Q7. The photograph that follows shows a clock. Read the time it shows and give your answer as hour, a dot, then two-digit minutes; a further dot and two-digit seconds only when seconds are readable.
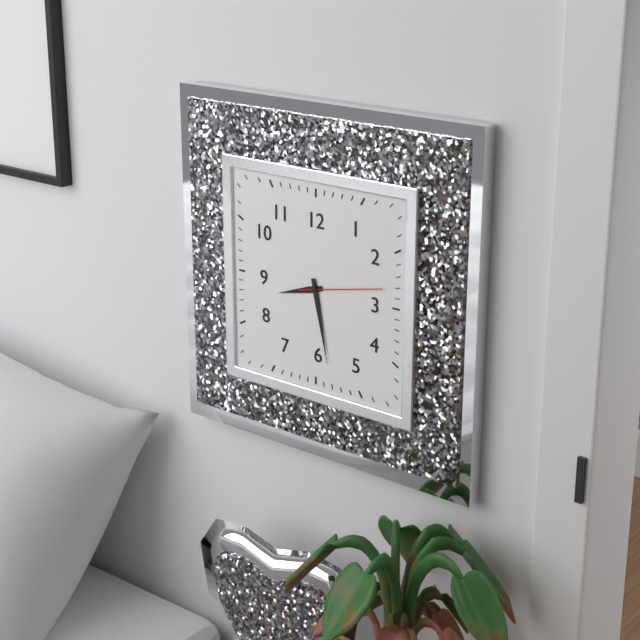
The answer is 8.28.13
